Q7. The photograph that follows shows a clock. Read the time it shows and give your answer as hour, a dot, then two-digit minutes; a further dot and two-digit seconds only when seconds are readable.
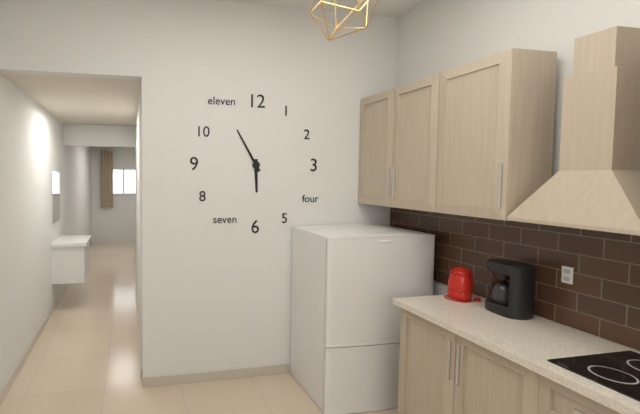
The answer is 5.55
